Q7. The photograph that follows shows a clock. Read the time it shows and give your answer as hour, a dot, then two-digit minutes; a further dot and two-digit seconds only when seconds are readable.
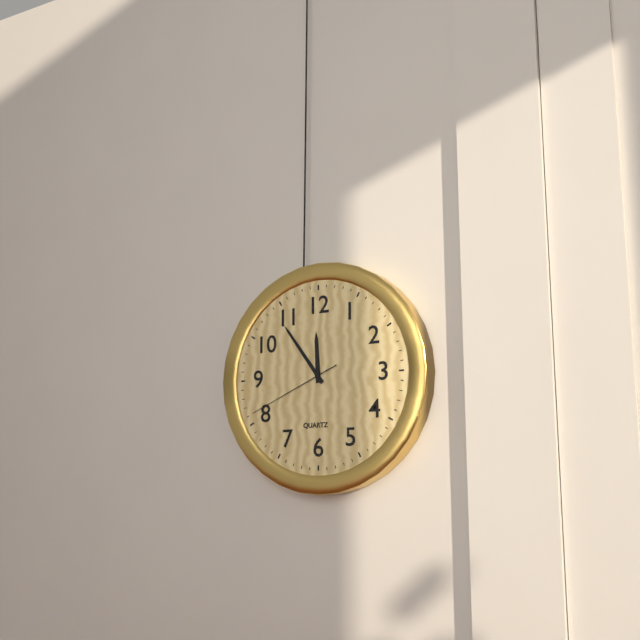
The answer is 11.54.41
